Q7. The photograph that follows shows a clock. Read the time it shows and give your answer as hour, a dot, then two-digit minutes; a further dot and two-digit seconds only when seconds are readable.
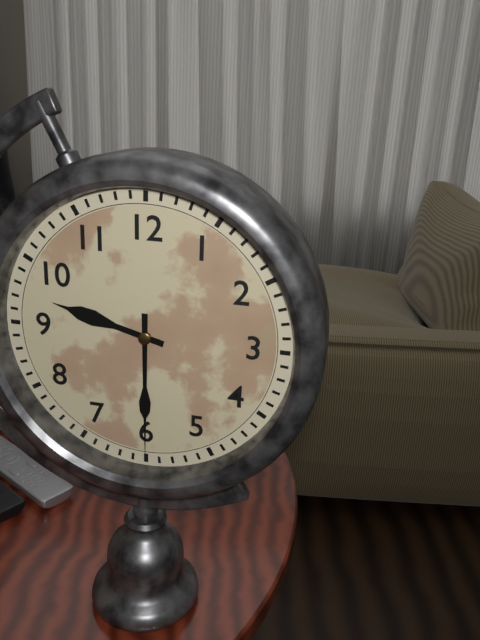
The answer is 9.30
